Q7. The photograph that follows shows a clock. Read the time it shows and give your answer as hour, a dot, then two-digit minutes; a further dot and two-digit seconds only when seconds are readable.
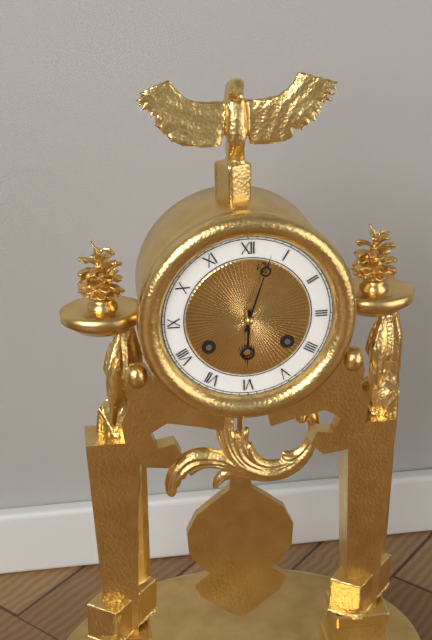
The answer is 6.03
